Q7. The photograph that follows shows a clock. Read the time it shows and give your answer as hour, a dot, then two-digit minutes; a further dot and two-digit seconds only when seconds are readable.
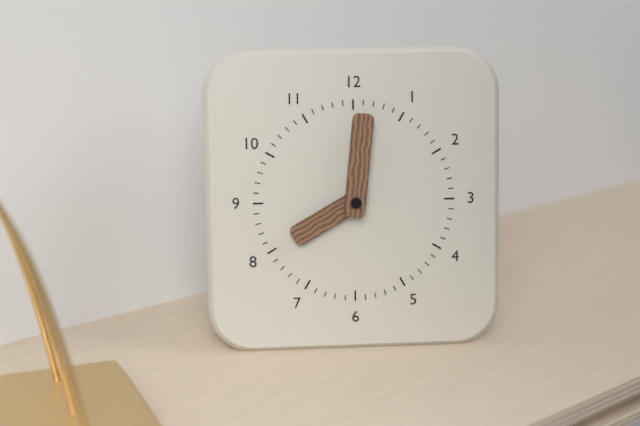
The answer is 8.01
